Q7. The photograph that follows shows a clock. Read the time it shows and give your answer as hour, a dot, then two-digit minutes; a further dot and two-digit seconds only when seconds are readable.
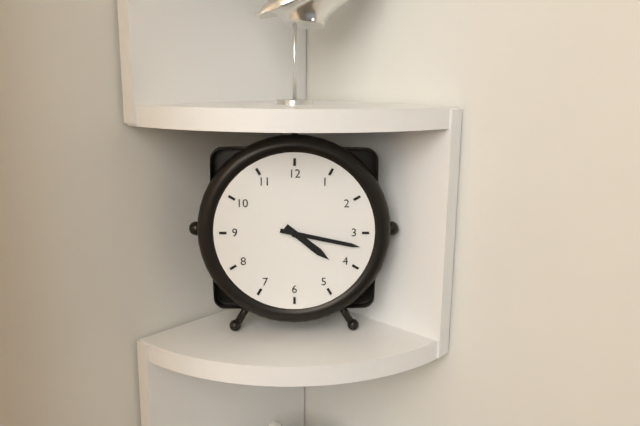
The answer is 4.17
